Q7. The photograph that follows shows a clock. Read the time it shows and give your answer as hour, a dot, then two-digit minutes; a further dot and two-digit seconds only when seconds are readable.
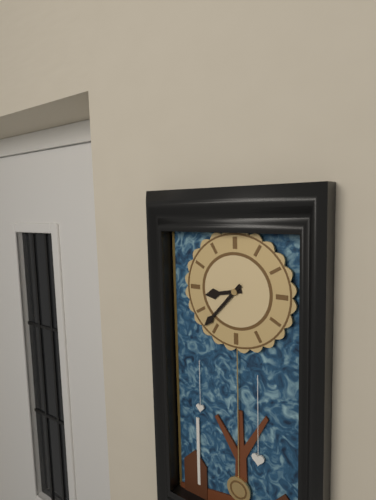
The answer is 8.37
